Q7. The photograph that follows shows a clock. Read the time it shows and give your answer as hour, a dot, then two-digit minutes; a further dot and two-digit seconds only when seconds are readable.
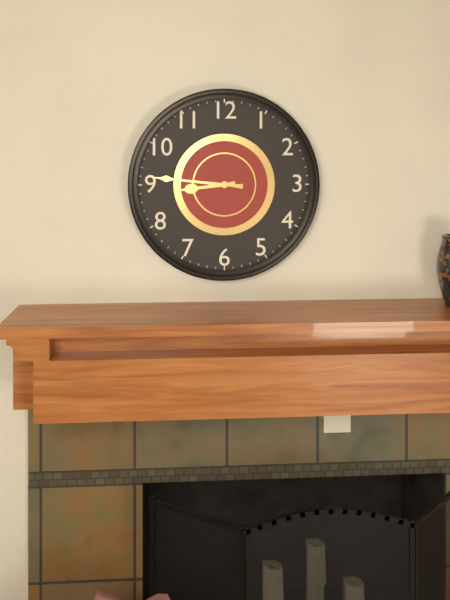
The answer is 8.46
